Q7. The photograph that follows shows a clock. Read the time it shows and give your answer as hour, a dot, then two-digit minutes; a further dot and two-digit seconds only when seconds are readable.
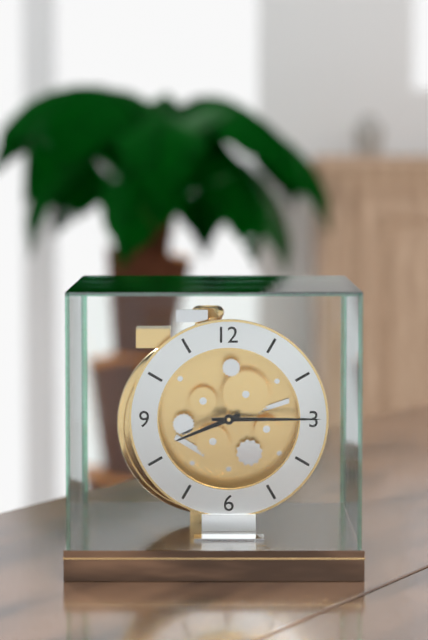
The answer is 8.15
